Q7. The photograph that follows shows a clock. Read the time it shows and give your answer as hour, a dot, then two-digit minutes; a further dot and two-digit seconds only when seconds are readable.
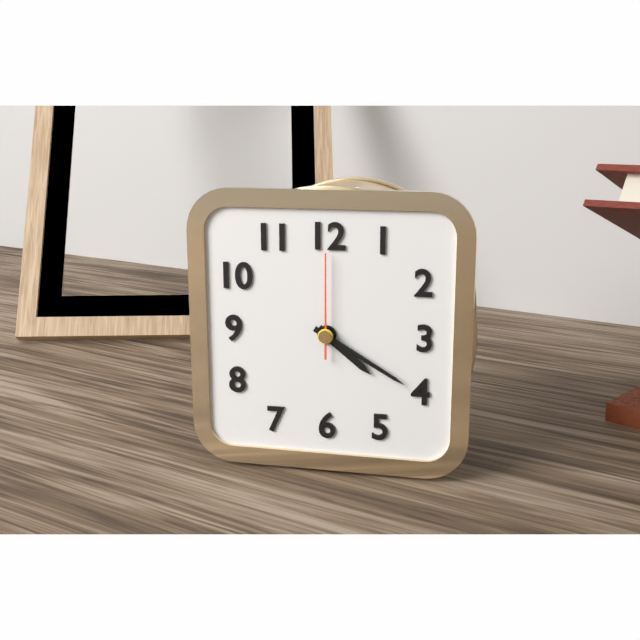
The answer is 4.20.00
